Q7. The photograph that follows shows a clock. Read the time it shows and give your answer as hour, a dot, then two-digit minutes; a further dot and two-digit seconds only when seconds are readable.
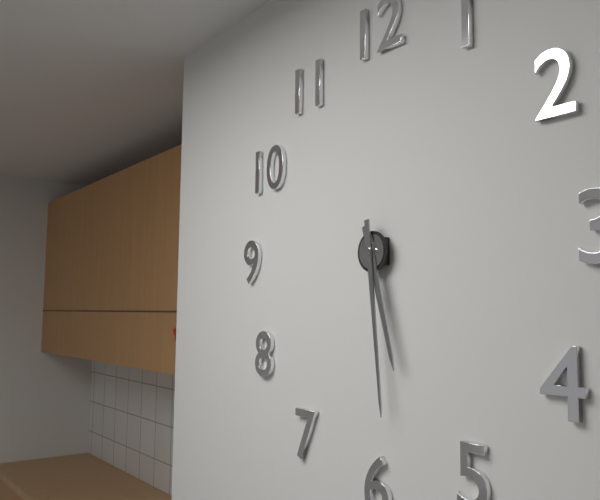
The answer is 5.29
